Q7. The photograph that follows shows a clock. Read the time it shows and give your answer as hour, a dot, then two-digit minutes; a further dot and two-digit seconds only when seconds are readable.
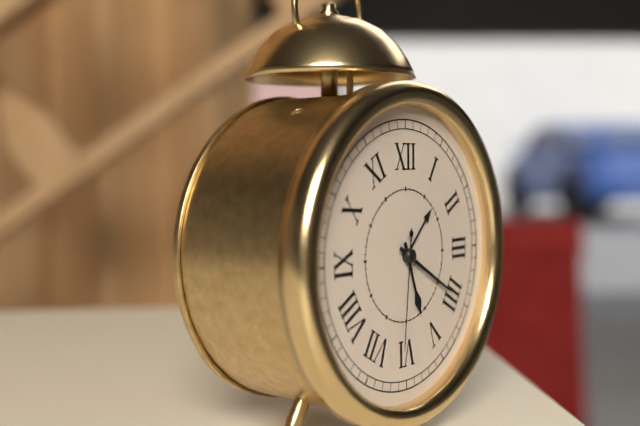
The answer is 5.20.31
